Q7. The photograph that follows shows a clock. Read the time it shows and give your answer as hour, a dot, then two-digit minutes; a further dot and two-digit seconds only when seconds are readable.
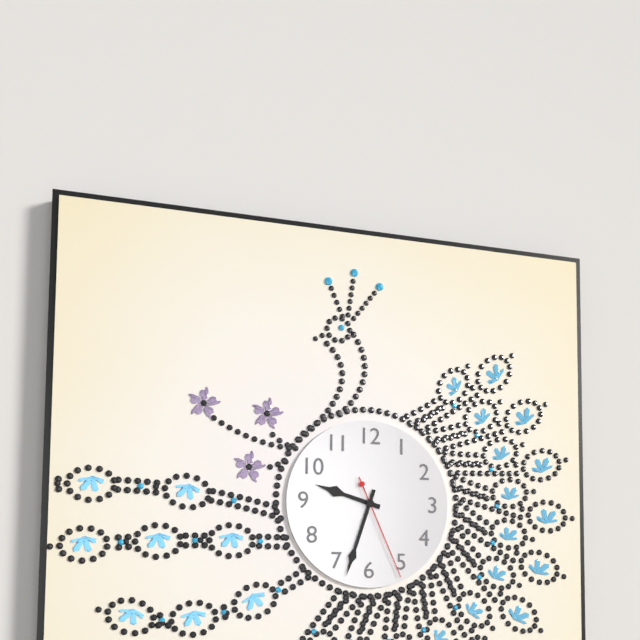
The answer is 9.33.26
